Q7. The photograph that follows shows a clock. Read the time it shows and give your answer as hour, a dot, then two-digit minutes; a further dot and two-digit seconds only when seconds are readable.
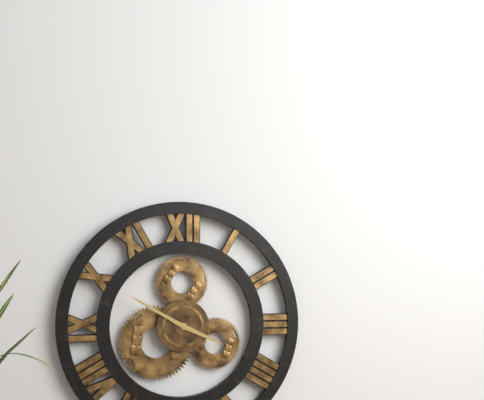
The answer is 3.50
